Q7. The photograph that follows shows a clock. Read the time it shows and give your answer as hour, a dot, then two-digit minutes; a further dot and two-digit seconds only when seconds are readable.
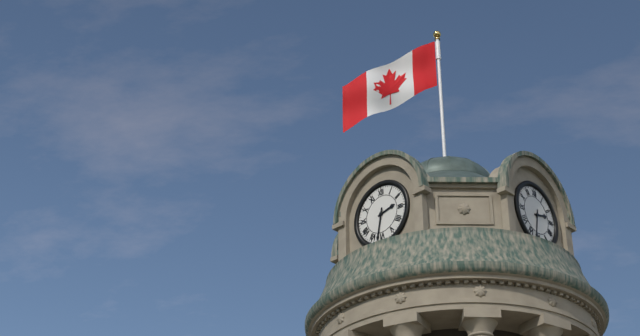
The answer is 2.32
